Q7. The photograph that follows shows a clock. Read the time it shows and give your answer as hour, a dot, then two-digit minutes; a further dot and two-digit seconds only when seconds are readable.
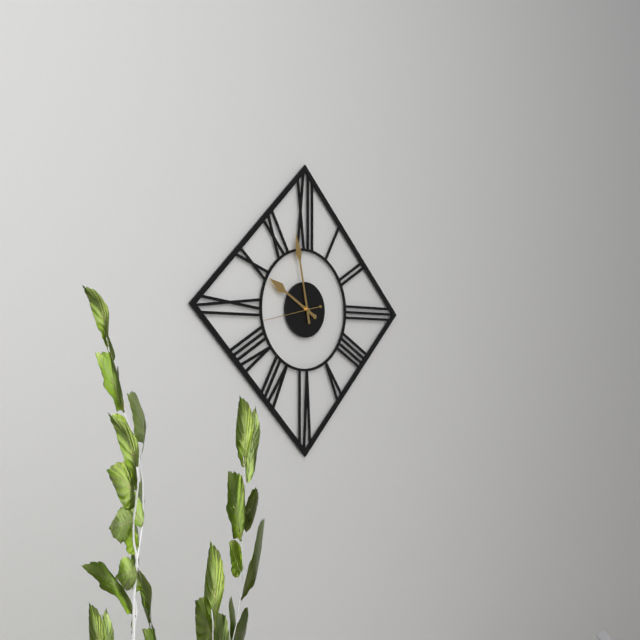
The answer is 9.58
